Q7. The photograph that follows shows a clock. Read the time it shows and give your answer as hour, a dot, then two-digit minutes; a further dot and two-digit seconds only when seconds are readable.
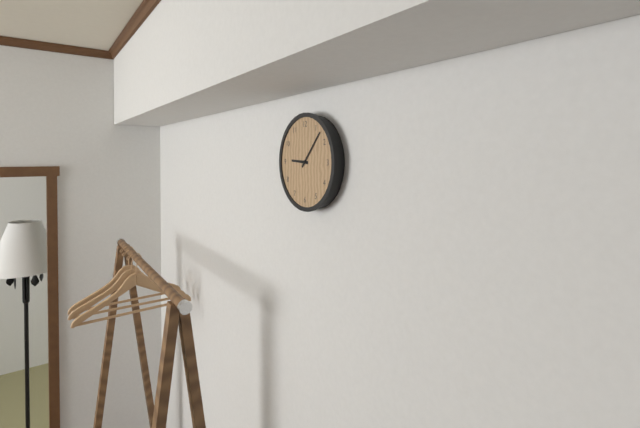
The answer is 9.07
